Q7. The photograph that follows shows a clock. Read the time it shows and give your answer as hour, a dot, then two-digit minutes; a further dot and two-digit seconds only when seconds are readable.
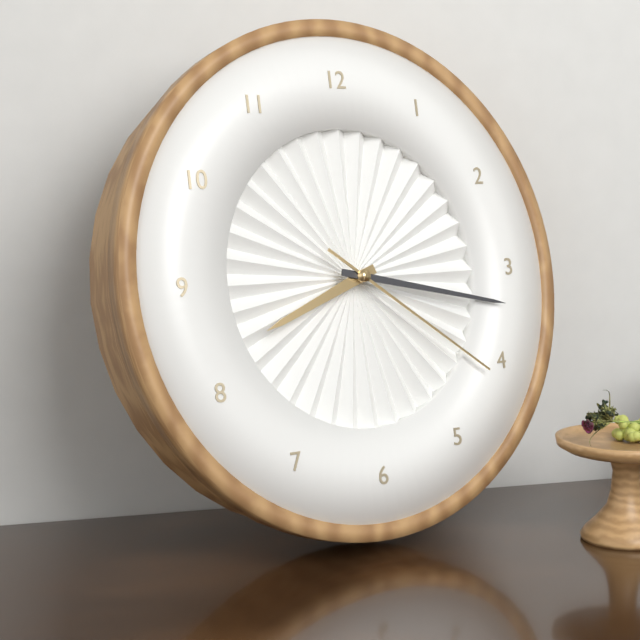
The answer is 8.17.21
